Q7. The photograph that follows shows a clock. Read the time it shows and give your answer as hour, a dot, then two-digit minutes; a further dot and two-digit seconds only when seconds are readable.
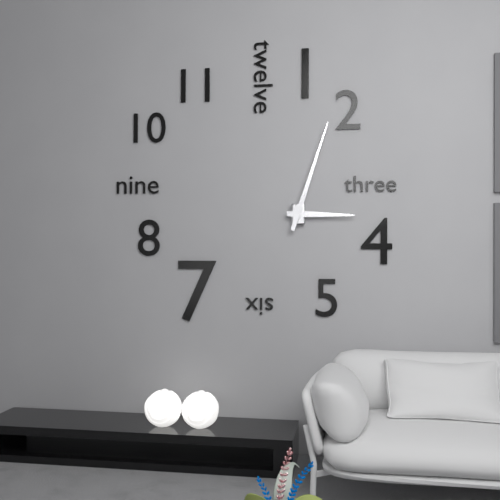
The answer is 3.03
